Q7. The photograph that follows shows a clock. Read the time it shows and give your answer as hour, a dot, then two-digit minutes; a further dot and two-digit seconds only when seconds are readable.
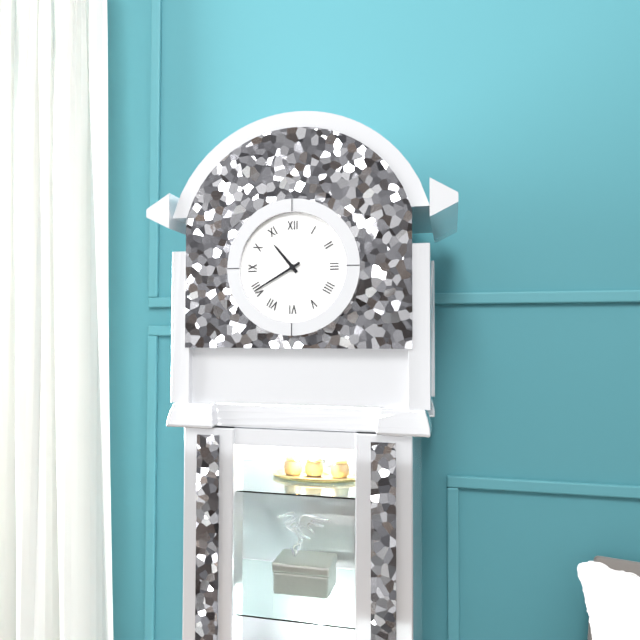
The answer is 10.40
